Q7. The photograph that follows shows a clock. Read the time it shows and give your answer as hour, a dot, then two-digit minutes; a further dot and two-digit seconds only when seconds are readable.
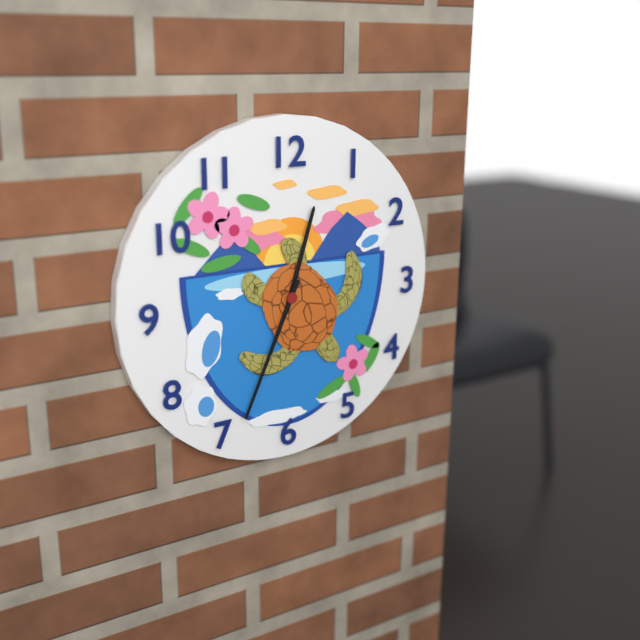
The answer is 12.34
